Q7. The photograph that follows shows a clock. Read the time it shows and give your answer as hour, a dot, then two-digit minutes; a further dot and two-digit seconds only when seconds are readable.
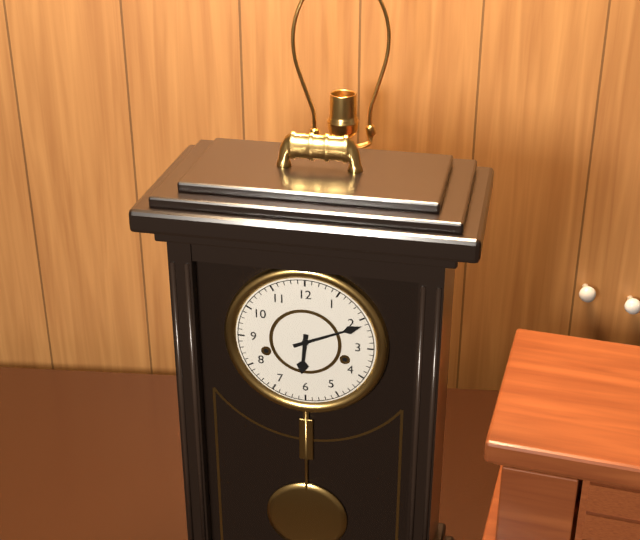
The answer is 6.11
